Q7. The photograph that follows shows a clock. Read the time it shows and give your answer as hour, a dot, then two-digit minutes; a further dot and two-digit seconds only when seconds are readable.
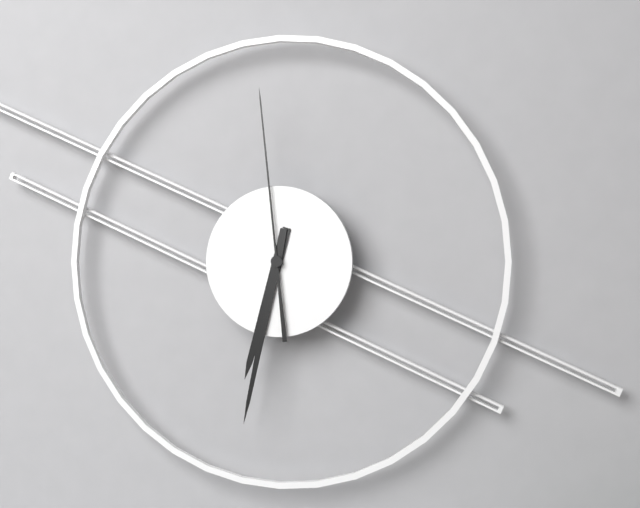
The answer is 6.32.59
